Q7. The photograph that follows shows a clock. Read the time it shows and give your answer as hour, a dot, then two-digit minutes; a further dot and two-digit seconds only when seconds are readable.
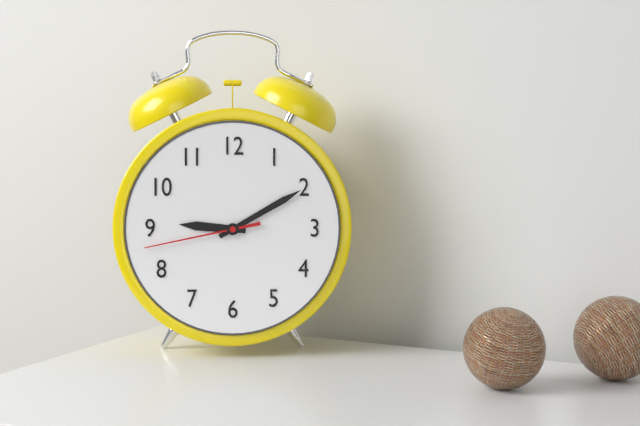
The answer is 9.10.43
